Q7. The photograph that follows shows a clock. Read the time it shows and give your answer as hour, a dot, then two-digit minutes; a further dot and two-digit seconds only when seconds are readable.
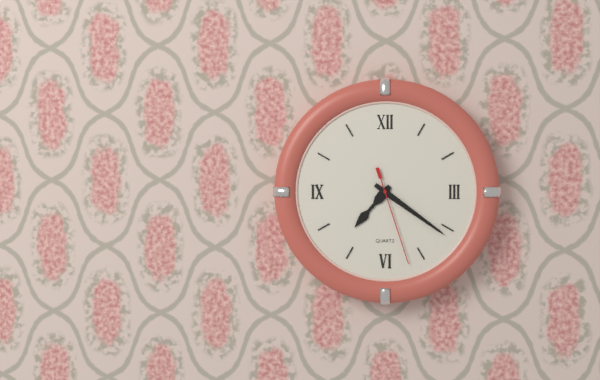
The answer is 7.21.27
